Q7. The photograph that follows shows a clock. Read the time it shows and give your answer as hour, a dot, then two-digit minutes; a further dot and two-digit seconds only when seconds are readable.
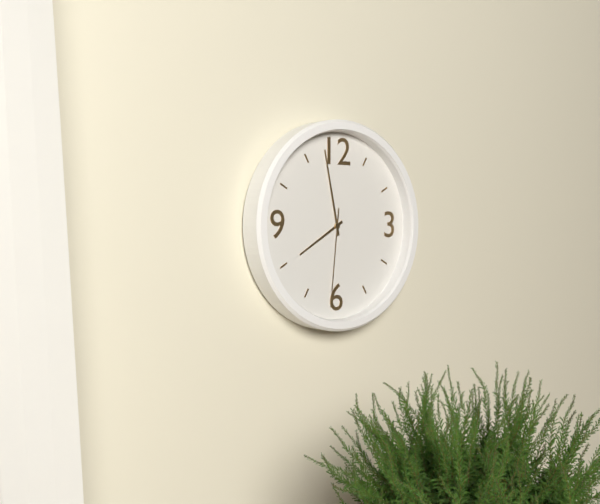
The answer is 7.58.31
